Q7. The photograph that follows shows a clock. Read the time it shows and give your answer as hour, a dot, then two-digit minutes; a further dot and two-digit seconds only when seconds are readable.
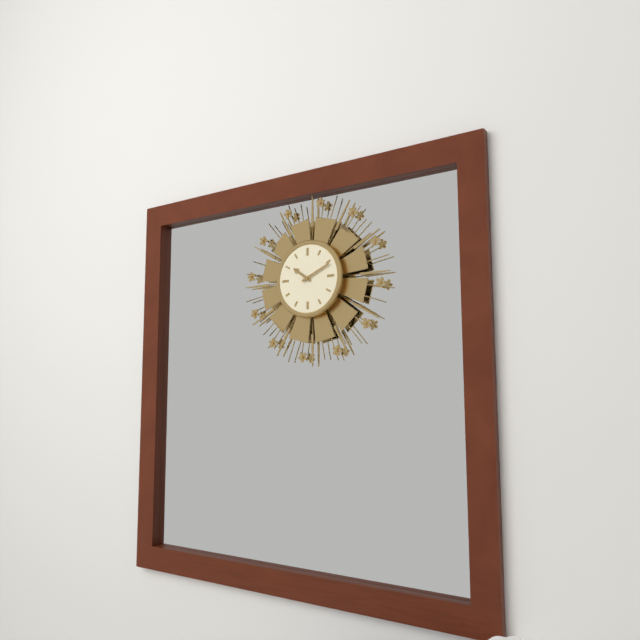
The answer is 10.11
